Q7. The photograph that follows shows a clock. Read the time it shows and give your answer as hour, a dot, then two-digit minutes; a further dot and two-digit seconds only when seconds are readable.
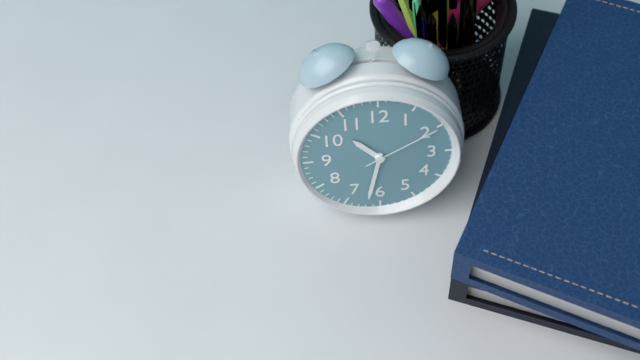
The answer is 10.32.10
